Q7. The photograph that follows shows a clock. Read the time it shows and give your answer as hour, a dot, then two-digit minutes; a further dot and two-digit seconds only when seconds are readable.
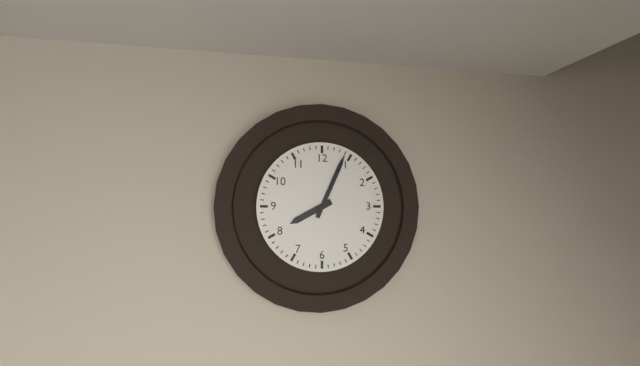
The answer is 8.04
